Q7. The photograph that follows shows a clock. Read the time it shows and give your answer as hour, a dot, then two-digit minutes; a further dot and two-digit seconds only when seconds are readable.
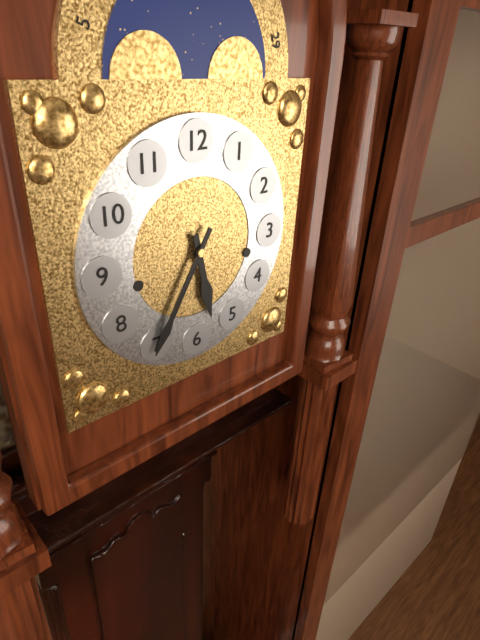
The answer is 5.35
